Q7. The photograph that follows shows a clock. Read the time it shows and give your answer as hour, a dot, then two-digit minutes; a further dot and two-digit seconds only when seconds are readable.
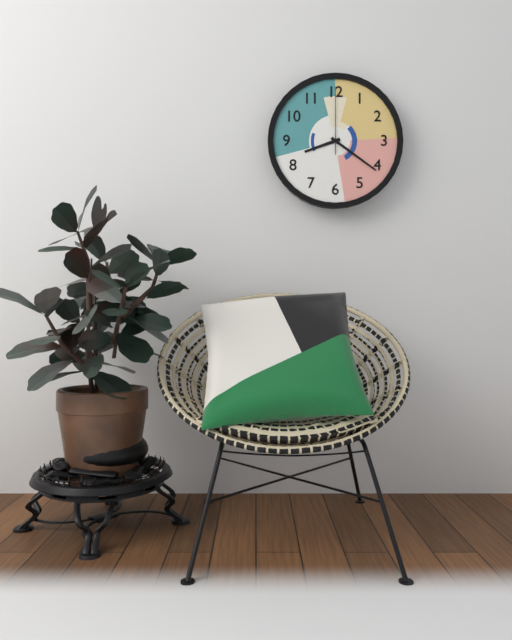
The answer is 8.21.00
